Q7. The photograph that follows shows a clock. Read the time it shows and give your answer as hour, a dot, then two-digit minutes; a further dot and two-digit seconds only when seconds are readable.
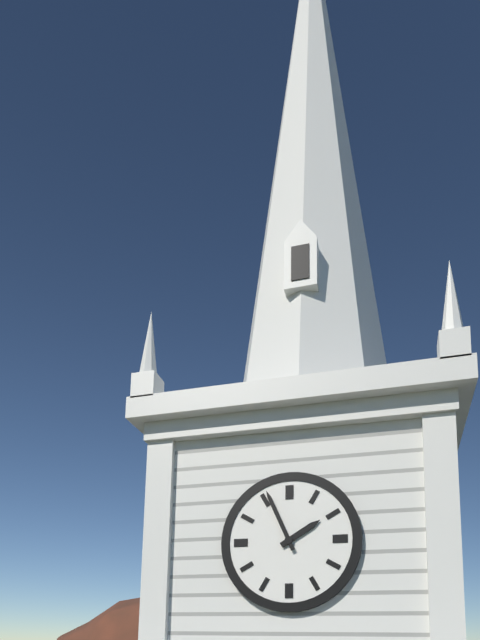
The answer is 1.56
